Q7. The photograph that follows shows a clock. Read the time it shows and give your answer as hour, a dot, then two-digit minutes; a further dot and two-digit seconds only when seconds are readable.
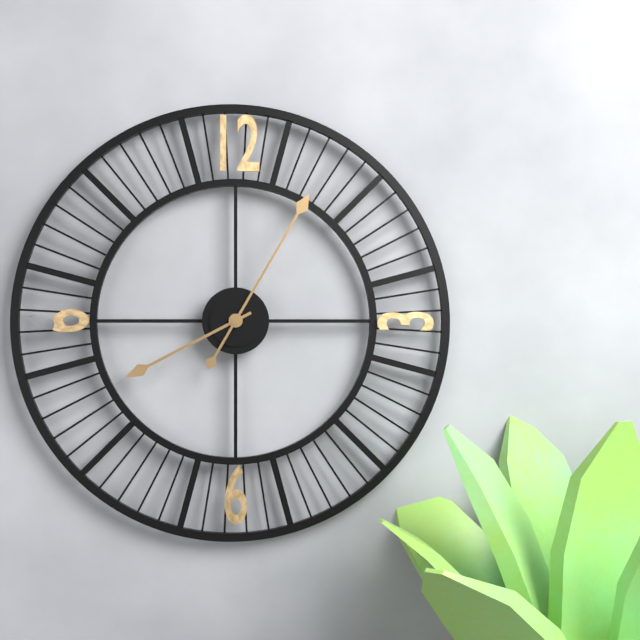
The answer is 8.05
